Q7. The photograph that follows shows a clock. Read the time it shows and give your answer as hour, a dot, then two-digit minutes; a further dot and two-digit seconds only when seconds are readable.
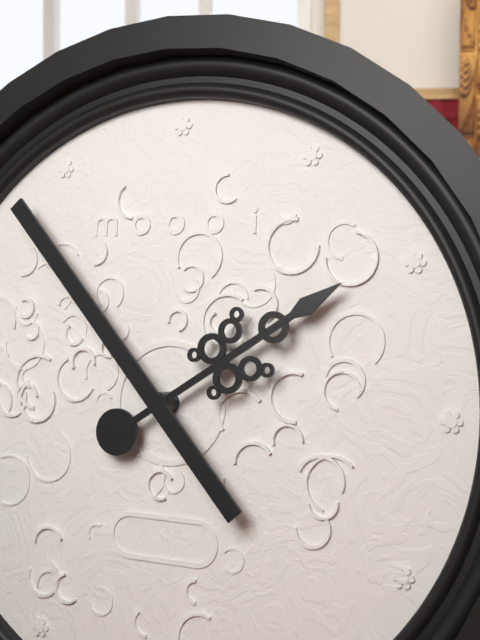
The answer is 1.53
